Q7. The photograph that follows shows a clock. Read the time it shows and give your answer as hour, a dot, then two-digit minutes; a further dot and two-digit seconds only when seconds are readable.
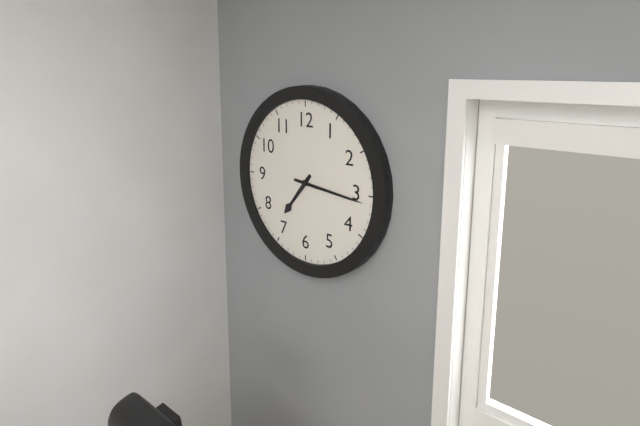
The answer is 7.16
